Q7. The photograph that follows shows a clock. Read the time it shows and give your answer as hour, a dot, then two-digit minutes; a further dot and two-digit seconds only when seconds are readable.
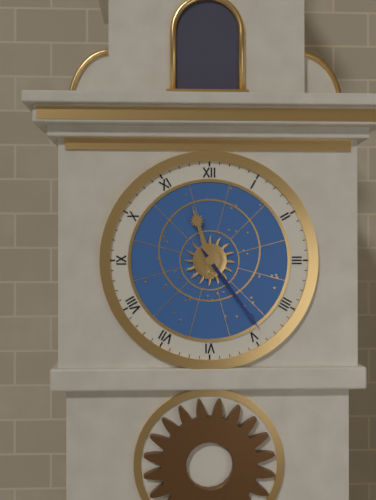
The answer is 11.24
